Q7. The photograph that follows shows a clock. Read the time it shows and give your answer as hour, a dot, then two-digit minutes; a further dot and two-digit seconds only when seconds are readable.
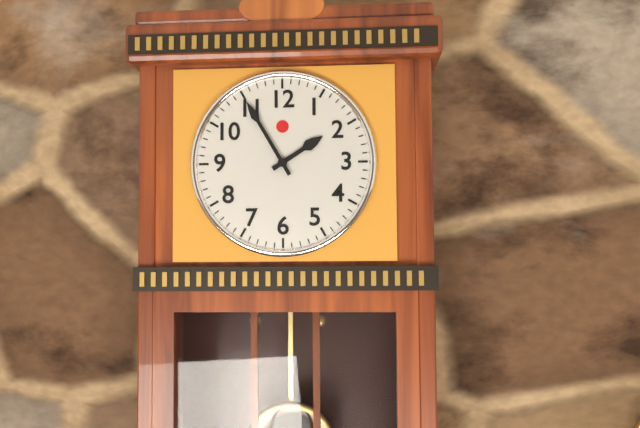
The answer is 1.55
